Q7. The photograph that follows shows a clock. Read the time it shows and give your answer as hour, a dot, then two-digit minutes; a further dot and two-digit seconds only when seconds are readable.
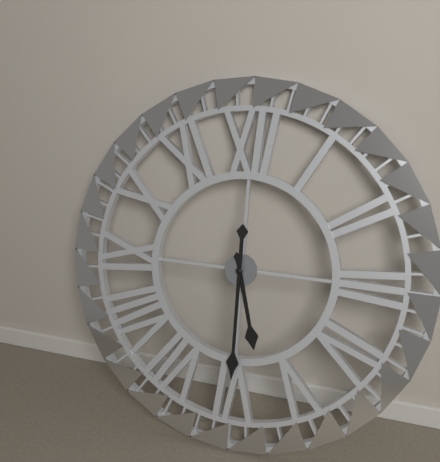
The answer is 5.30
